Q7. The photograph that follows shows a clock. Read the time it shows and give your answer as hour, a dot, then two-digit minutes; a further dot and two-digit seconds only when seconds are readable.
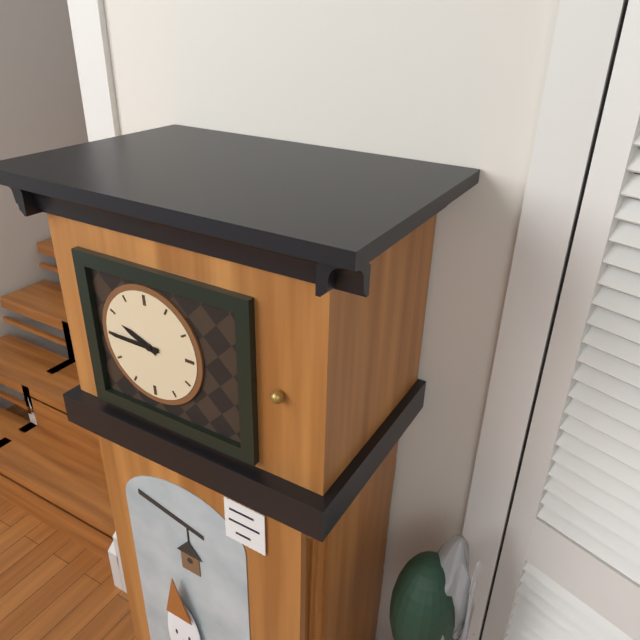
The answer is 9.45
